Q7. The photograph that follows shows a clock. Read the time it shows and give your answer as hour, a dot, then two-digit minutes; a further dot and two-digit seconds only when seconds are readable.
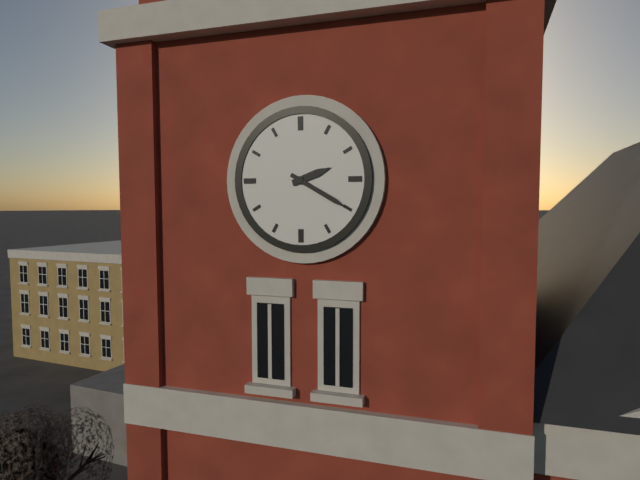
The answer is 2.20
